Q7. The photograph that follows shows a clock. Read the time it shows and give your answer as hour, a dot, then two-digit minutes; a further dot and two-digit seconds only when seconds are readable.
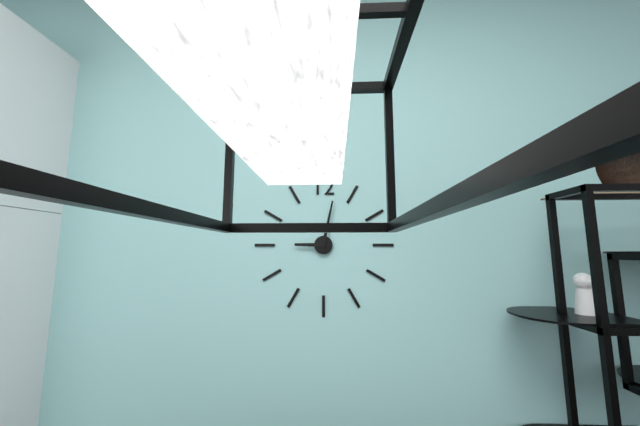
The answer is 9.02
